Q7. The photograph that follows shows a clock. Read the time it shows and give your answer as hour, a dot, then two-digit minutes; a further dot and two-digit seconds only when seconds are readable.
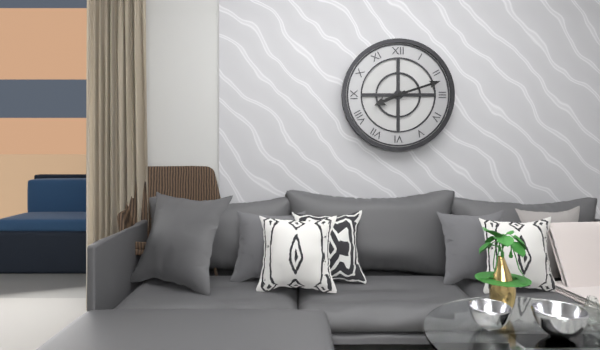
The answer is 8.12
